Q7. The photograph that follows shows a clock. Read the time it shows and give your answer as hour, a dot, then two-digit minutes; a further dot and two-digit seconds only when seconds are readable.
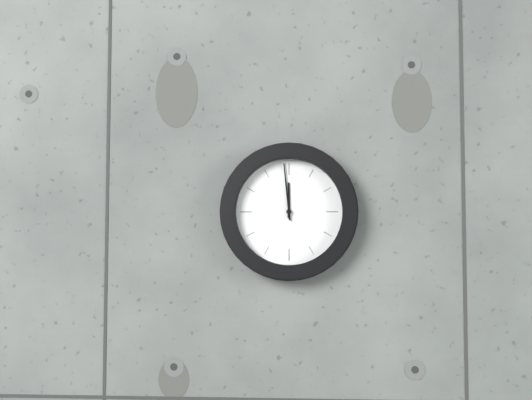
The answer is 11.59
